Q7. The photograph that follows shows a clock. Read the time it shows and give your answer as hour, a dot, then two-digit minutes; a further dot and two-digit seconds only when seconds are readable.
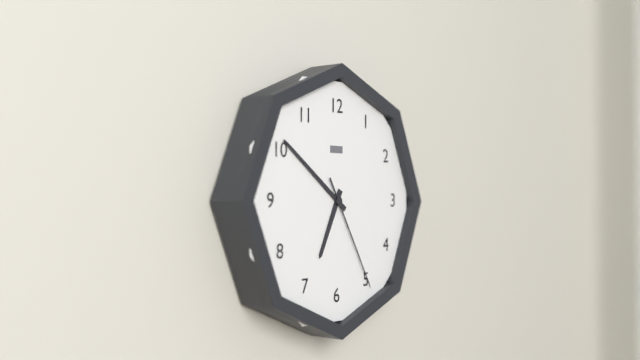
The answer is 6.51.25
